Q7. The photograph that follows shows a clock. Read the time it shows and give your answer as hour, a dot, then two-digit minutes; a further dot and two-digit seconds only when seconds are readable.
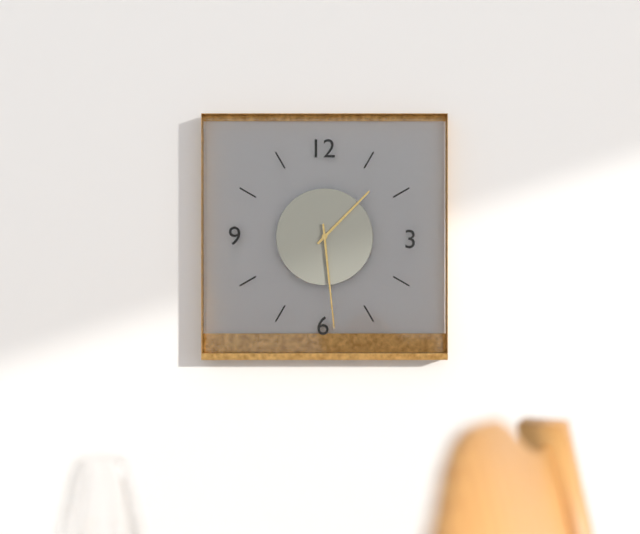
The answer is 1.29
